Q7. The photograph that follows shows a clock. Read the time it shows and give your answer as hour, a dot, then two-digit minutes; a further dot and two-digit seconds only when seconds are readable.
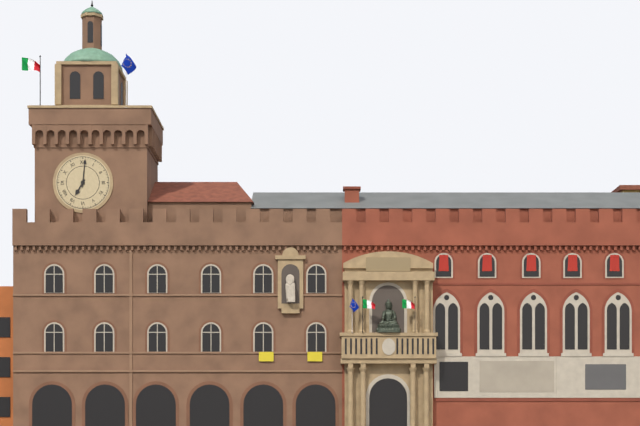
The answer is 7.01
